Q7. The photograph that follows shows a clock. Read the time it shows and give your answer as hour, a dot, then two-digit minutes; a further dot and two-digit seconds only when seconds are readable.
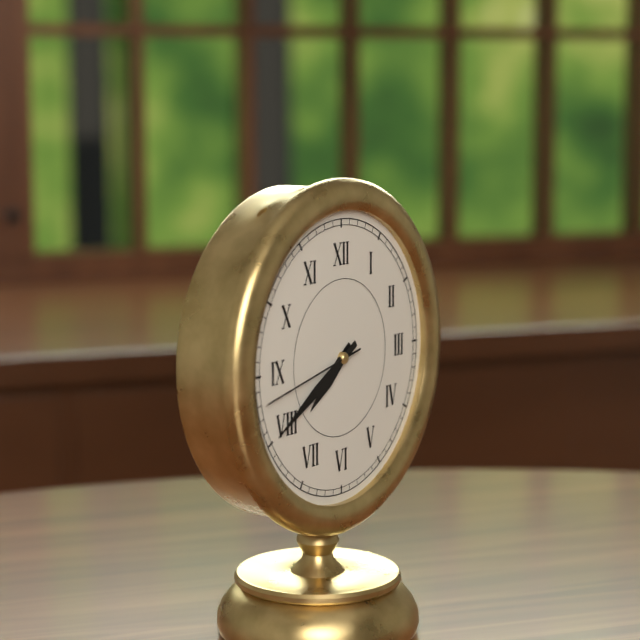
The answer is 7.40.43
